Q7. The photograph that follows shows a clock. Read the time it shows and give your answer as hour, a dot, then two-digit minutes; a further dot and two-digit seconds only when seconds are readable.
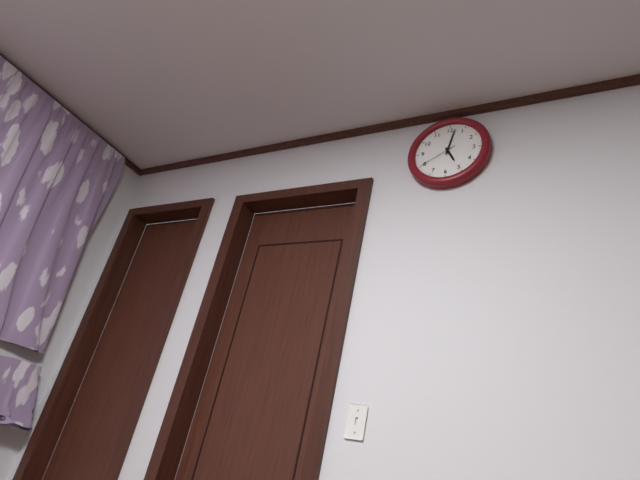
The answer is 5.02
